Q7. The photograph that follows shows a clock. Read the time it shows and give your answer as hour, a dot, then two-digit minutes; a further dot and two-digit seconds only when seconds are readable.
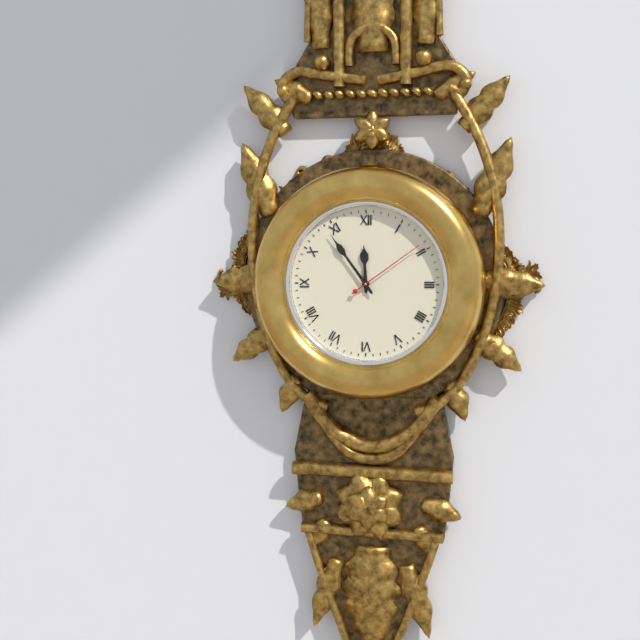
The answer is 11.54.09
